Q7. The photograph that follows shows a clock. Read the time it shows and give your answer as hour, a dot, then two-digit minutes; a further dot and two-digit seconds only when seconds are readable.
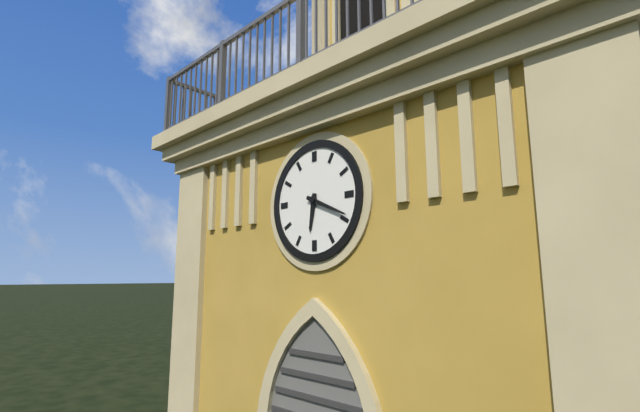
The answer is 6.19
